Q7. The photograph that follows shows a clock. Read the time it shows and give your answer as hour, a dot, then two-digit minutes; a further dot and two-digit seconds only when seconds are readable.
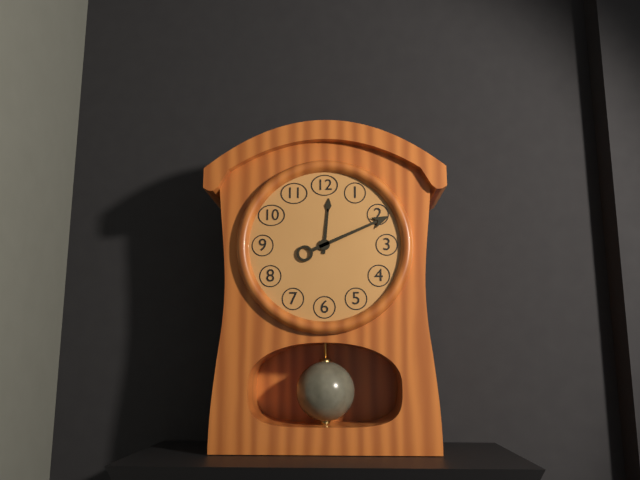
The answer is 12.11
